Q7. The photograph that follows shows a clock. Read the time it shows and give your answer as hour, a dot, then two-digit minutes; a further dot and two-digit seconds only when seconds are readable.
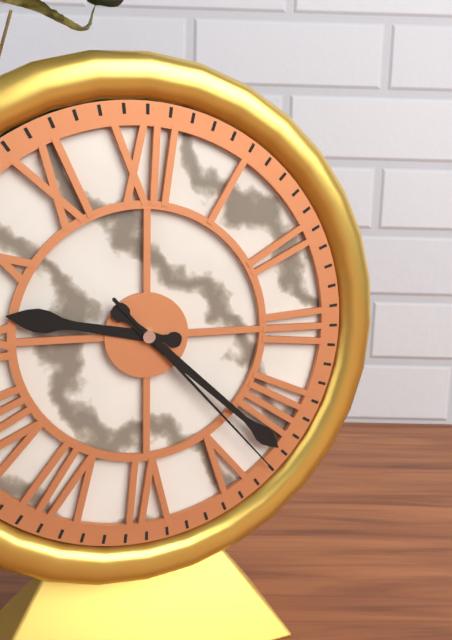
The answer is 9.22.23
